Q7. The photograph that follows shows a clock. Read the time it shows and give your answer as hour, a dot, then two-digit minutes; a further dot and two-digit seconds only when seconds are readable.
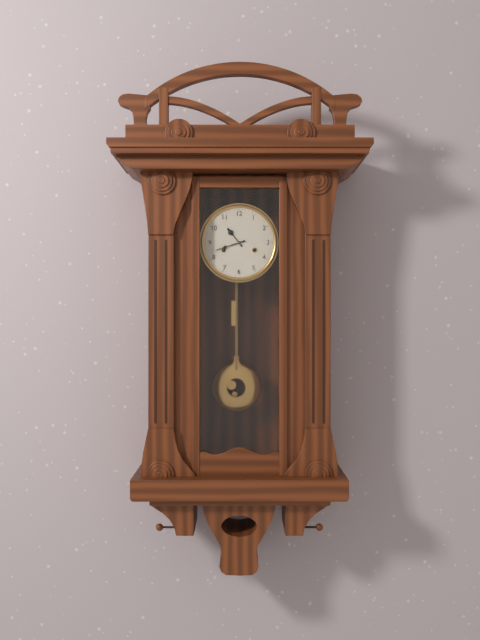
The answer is 10.42
